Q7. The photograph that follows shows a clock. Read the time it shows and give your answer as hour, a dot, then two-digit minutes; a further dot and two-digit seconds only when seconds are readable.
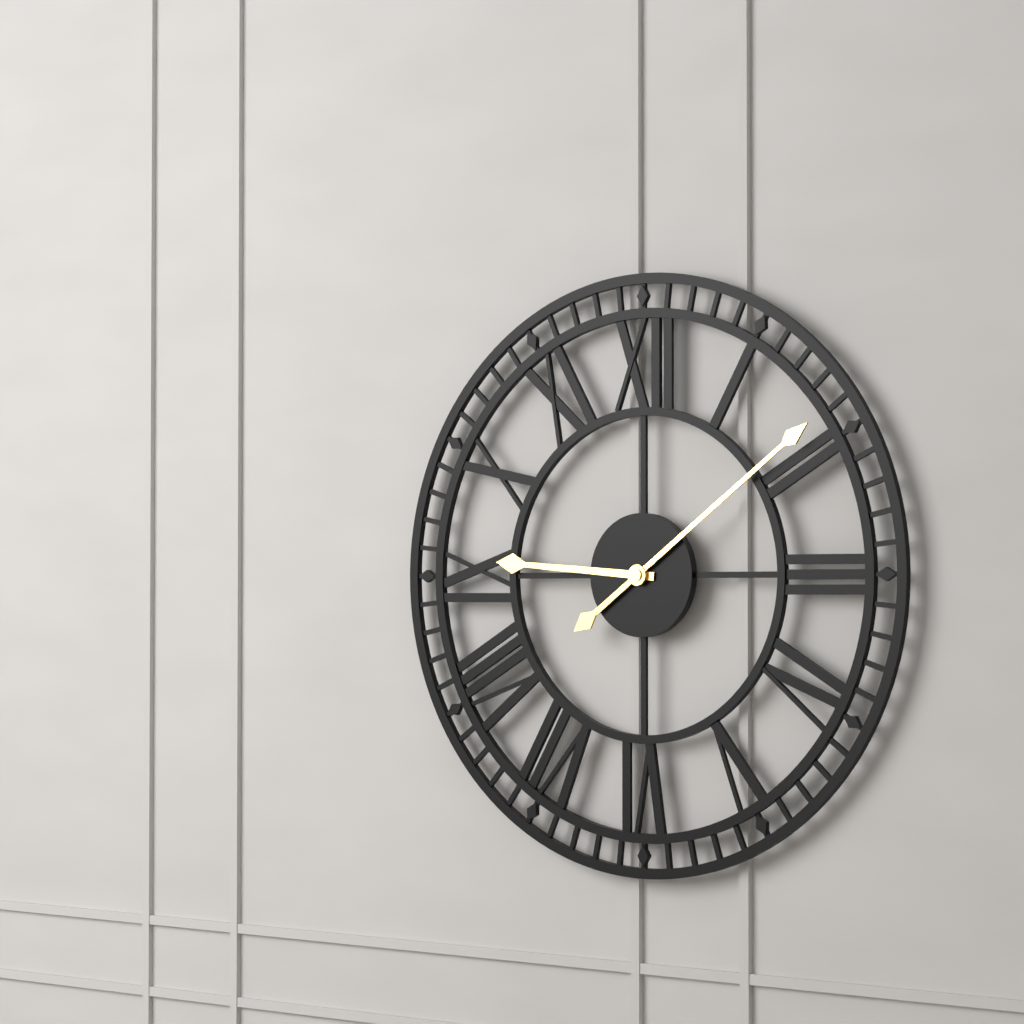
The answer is 9.09
